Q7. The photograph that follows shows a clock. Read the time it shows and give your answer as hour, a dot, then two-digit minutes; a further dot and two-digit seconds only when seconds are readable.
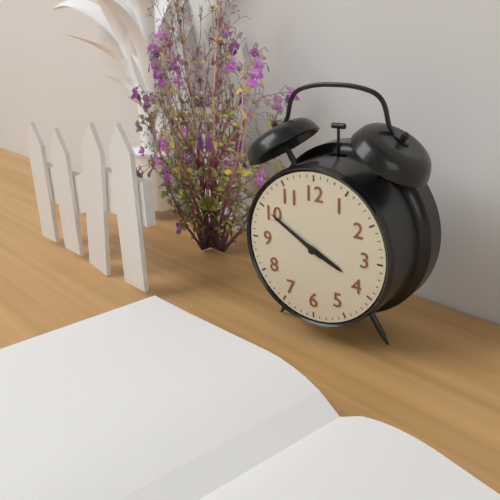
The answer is 3.50
